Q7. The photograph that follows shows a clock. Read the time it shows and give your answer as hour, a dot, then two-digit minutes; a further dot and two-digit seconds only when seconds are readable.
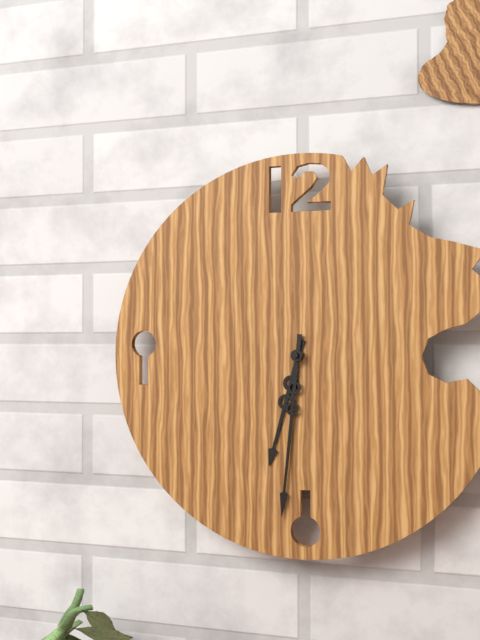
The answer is 6.31
